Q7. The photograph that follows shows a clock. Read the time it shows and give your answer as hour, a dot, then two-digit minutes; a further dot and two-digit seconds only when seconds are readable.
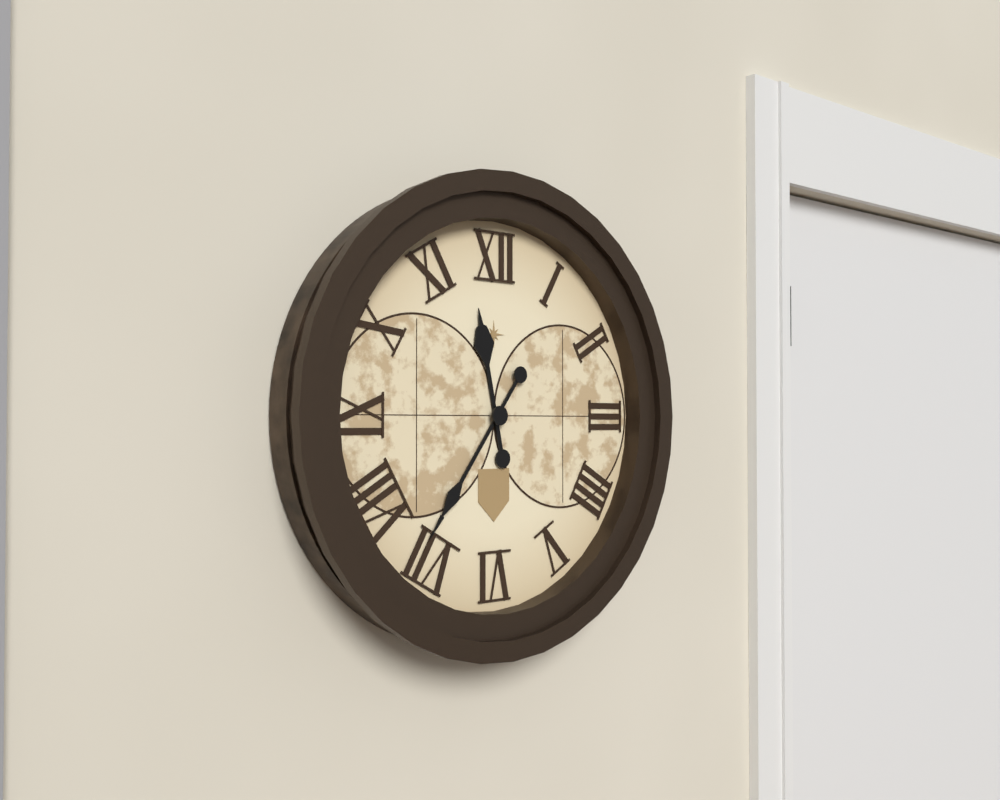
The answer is 11.36
